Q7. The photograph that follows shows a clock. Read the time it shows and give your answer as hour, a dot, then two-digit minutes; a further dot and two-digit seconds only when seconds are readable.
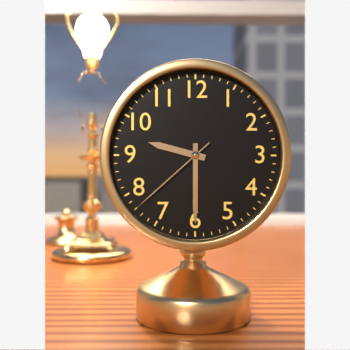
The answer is 9.30.38
